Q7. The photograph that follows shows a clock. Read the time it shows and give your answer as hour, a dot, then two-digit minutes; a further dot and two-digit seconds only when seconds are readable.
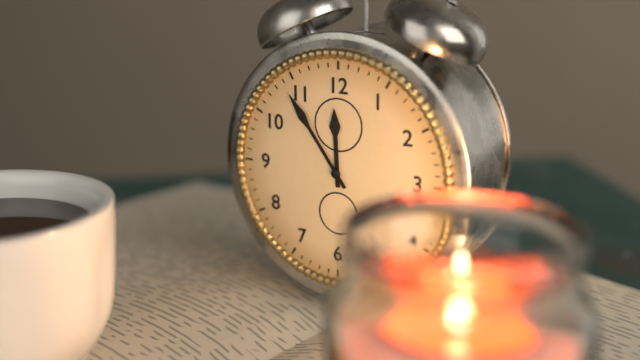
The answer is 11.54
